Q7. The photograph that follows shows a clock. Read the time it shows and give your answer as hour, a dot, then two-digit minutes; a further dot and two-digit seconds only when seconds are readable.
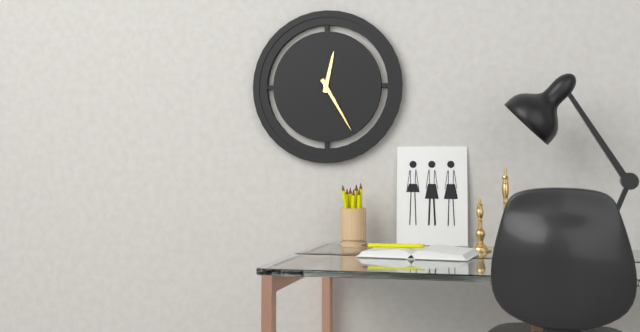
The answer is 12.25
